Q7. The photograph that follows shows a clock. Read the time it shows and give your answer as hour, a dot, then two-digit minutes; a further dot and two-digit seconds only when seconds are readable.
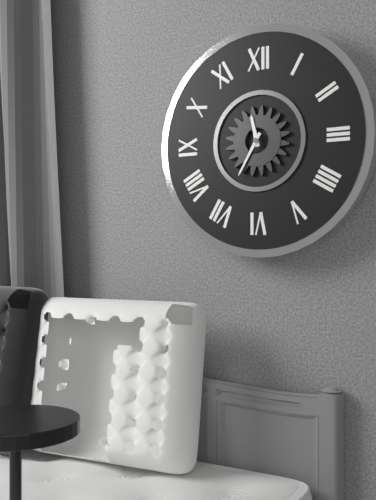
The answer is 11.35
